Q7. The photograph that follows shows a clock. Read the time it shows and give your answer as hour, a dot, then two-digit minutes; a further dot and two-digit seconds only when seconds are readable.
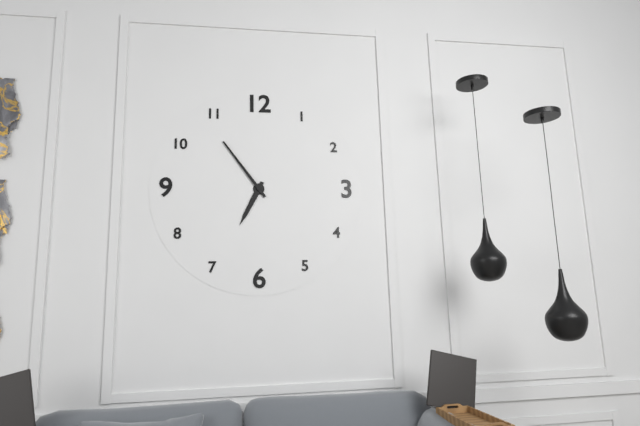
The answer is 6.54
